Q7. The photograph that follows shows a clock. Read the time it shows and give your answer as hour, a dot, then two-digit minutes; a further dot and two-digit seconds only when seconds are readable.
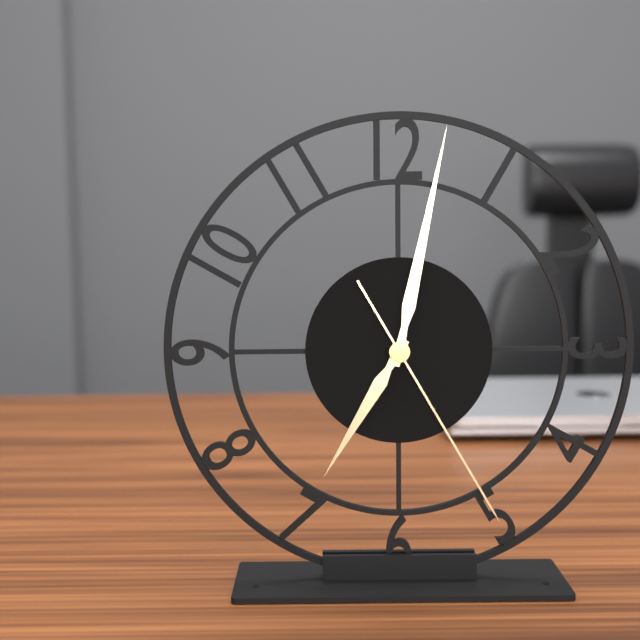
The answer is 7.02.25
